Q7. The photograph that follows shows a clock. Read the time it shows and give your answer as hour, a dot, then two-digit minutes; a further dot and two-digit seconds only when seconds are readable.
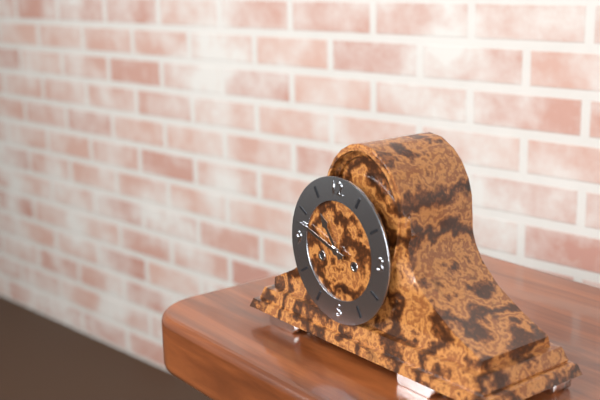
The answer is 10.48
